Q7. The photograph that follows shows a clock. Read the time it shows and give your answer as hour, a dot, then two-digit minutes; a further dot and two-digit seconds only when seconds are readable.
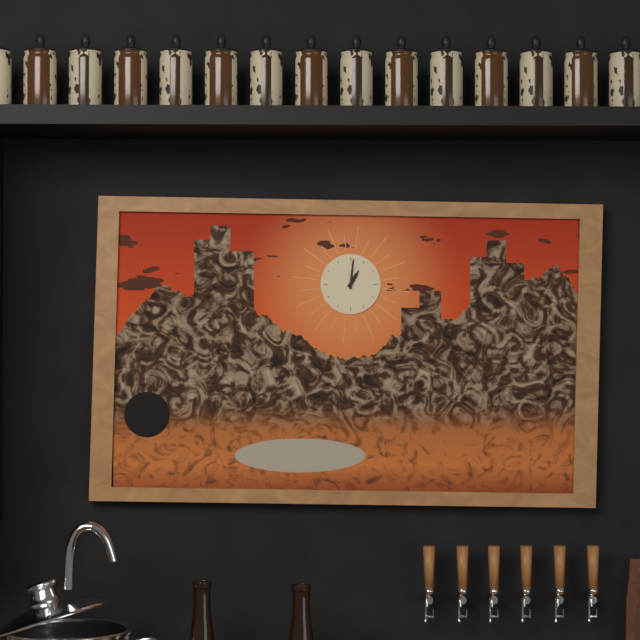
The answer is 1.01
